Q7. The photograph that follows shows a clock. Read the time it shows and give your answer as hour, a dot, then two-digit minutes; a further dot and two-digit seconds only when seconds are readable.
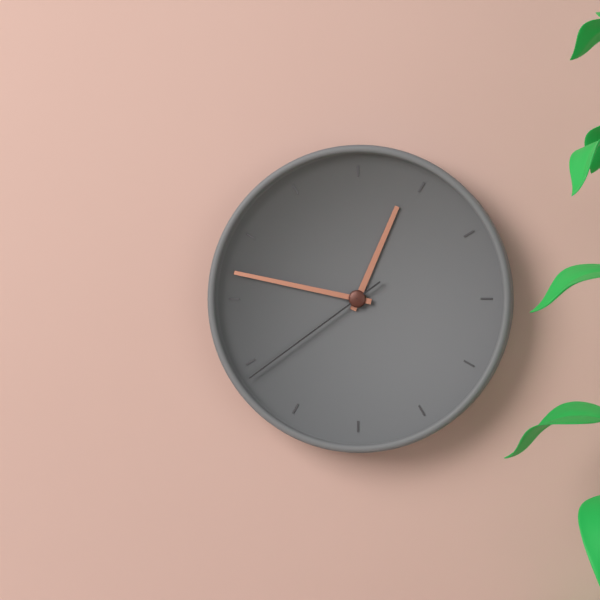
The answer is 12.47.39
